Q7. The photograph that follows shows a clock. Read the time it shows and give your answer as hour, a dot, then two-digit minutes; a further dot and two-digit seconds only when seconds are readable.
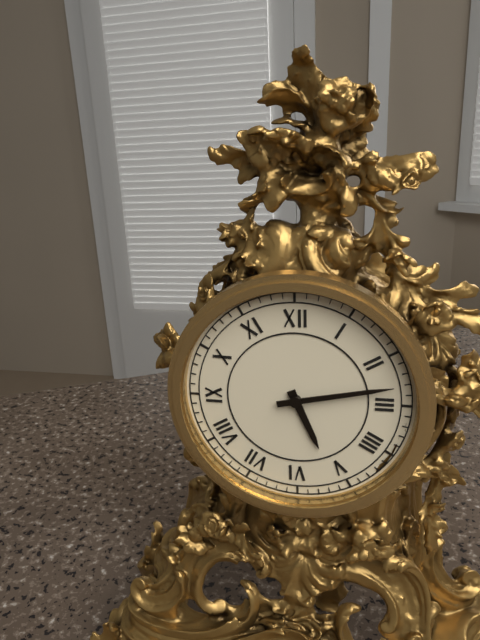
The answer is 5.13
